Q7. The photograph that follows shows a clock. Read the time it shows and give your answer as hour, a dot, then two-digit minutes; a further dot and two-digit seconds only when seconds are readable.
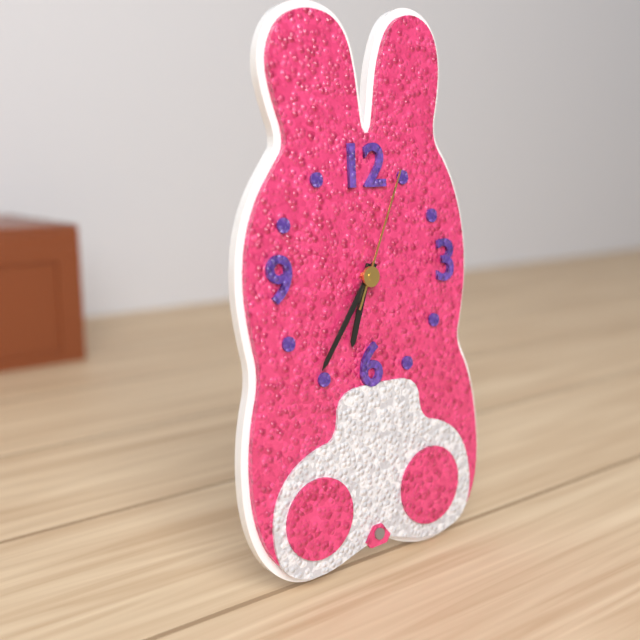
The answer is 6.36.04
